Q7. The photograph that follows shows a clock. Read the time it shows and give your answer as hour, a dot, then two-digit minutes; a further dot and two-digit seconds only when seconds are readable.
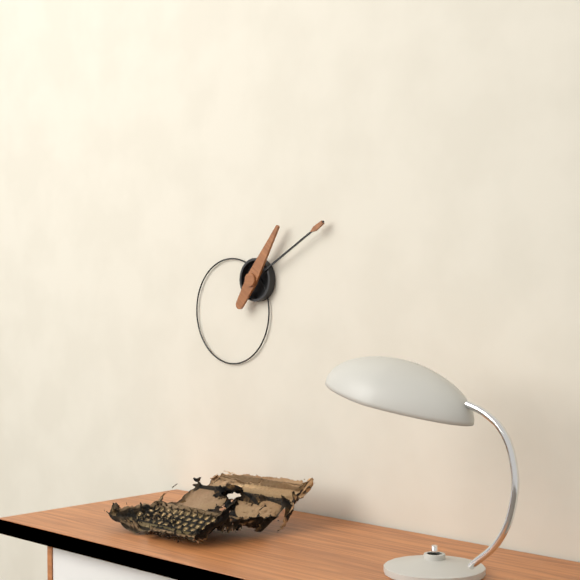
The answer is 1.10
